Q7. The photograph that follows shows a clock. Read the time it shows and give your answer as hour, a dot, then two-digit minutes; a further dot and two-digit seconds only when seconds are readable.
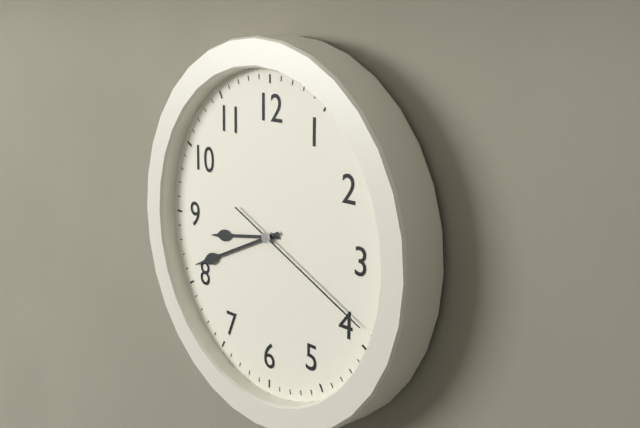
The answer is 8.41.19
